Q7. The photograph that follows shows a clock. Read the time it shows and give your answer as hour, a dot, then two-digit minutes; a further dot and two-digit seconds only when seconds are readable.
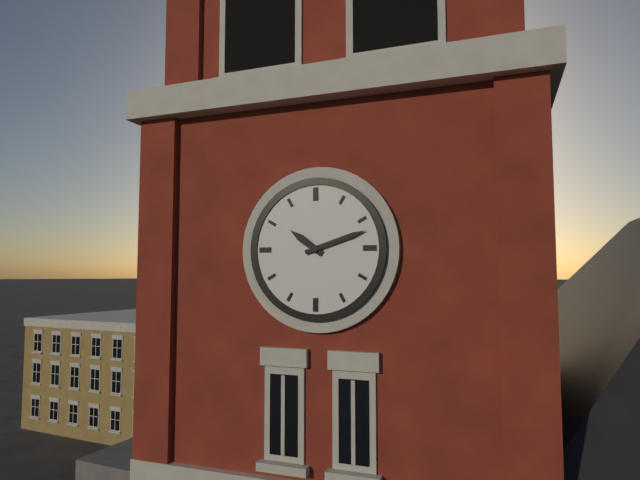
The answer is 10.12
